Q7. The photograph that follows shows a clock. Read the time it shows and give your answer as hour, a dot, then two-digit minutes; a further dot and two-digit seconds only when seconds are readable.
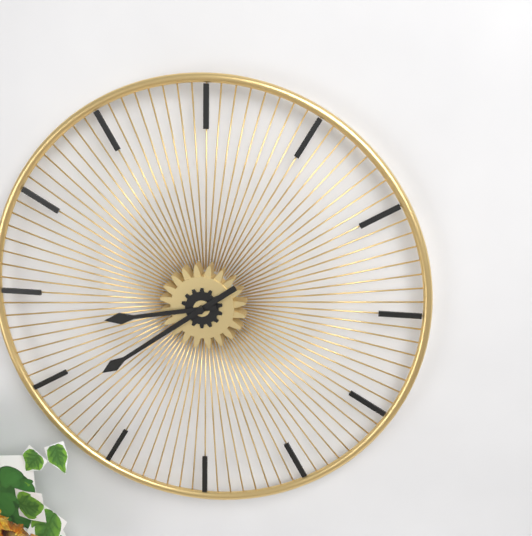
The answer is 8.39
